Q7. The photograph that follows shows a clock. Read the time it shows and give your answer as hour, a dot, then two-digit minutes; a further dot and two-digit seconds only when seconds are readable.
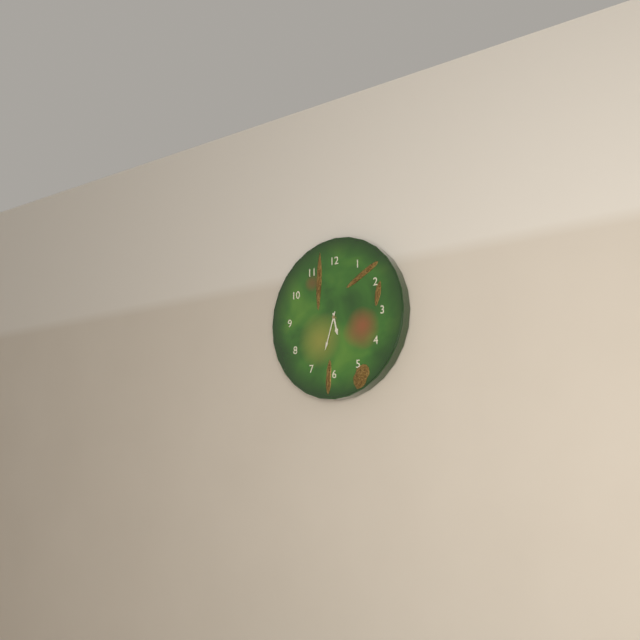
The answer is 5.33
